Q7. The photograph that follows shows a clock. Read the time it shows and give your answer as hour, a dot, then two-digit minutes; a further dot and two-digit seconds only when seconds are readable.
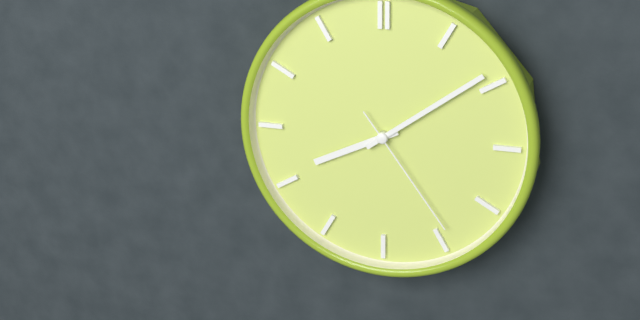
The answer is 8.09.24
